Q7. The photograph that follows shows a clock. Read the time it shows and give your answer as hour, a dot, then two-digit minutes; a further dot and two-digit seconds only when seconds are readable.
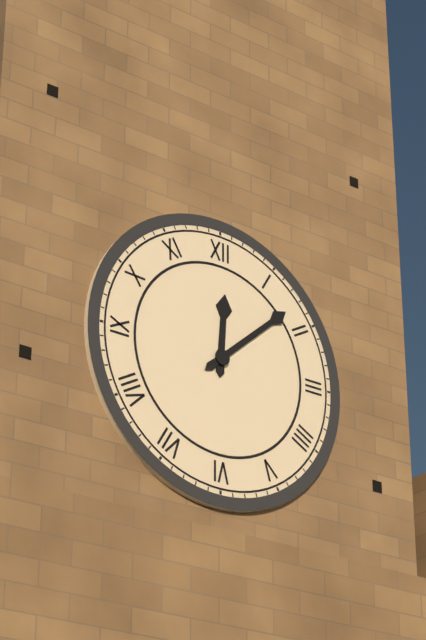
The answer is 12.08
